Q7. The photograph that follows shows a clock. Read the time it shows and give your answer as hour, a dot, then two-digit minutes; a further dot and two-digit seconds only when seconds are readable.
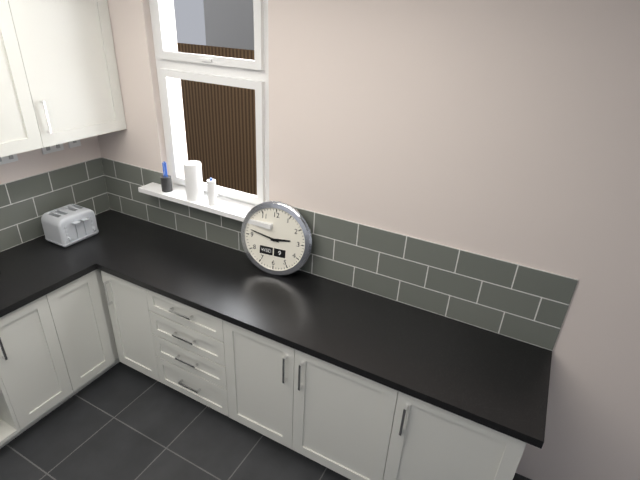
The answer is 2.47
